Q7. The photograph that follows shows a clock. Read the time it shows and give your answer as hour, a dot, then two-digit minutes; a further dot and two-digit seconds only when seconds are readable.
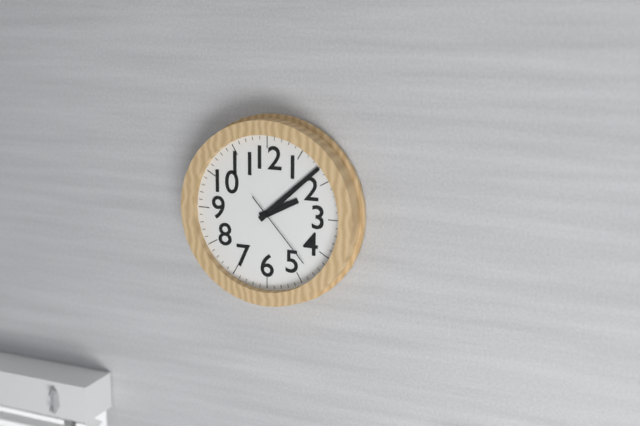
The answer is 2.08.23
